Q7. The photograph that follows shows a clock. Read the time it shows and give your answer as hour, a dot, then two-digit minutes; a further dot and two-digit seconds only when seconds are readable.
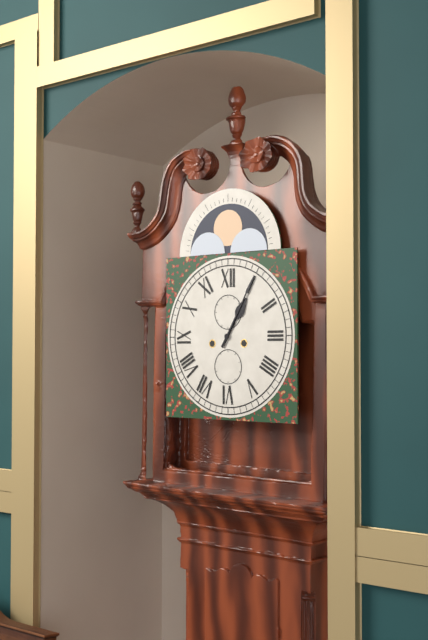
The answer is 1.05
